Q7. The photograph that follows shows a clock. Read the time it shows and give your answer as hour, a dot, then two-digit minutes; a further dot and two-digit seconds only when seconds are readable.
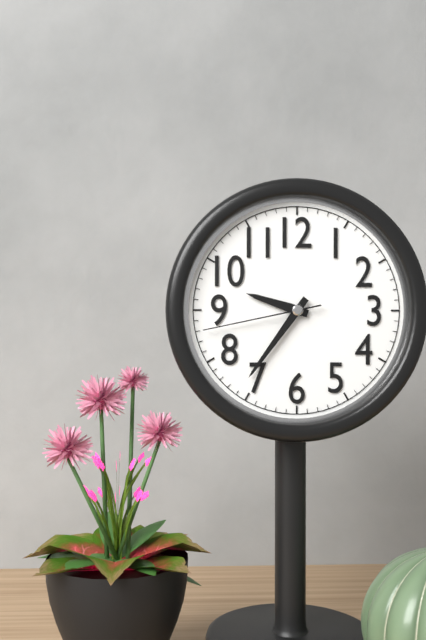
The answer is 9.36.43
